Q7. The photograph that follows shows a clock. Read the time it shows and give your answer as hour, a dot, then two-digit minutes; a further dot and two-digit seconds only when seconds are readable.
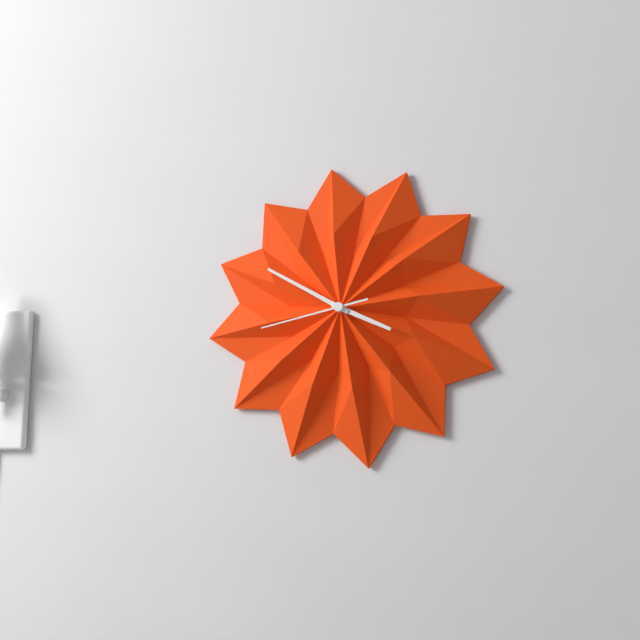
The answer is 3.50.43
